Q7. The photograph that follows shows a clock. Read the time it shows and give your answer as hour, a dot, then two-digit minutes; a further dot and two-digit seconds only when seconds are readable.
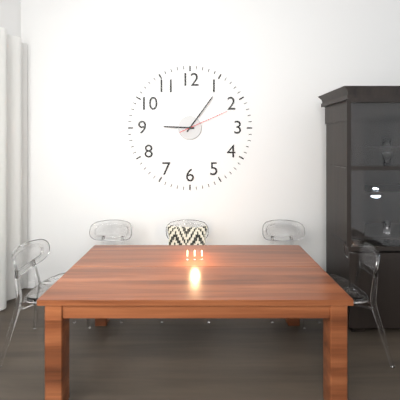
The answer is 9.06.11
